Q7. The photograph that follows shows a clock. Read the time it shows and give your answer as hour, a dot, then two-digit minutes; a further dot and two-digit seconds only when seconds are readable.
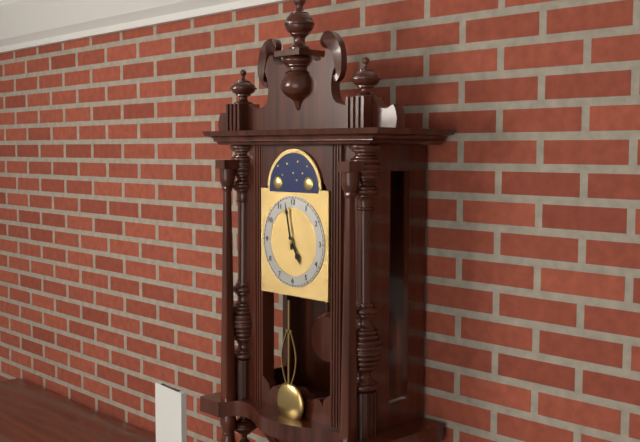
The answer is 4.58
